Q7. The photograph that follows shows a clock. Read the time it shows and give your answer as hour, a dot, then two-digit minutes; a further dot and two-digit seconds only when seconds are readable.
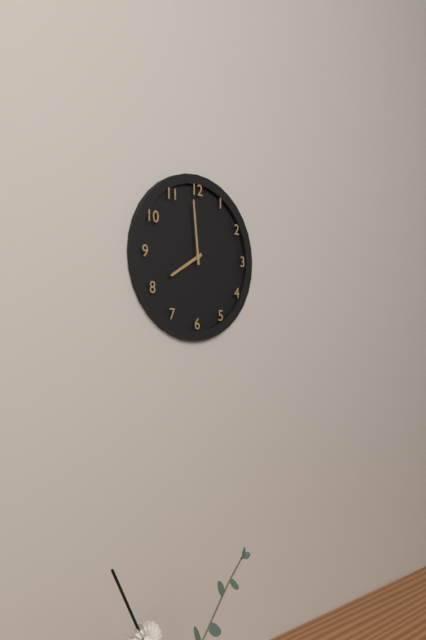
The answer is 7.59
